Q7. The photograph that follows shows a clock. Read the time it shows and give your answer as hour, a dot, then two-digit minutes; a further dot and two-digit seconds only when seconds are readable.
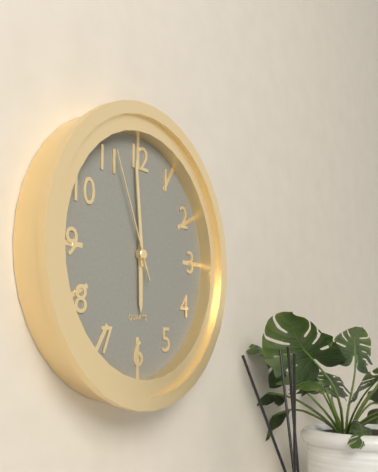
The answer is 5.59.56
